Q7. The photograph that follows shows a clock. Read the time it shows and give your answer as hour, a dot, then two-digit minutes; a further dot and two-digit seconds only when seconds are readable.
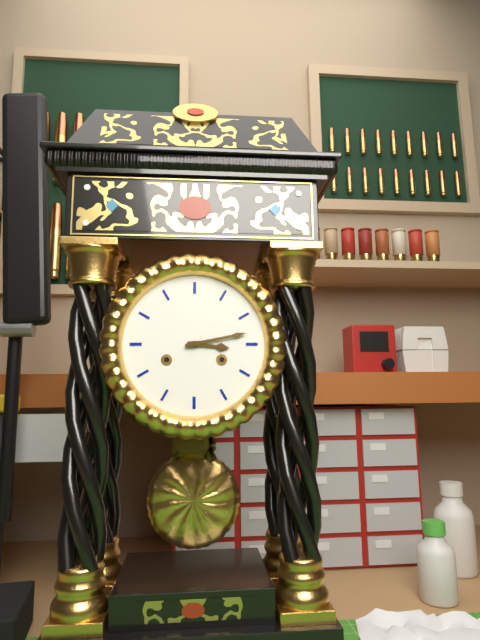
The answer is 3.13
